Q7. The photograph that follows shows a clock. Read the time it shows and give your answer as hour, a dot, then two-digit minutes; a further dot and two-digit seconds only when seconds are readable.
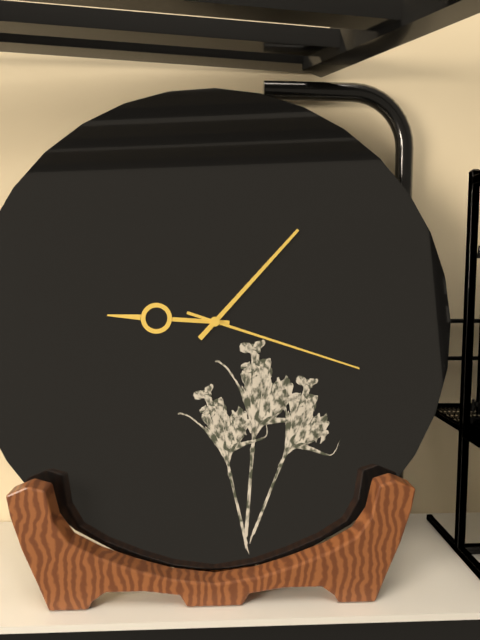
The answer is 9.07.18
